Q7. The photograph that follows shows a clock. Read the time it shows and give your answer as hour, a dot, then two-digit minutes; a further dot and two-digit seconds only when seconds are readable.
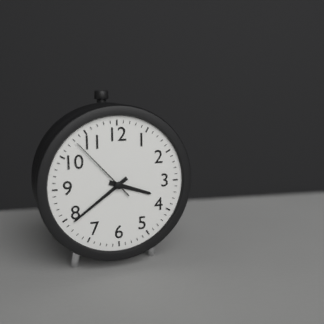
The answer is 3.39.53
